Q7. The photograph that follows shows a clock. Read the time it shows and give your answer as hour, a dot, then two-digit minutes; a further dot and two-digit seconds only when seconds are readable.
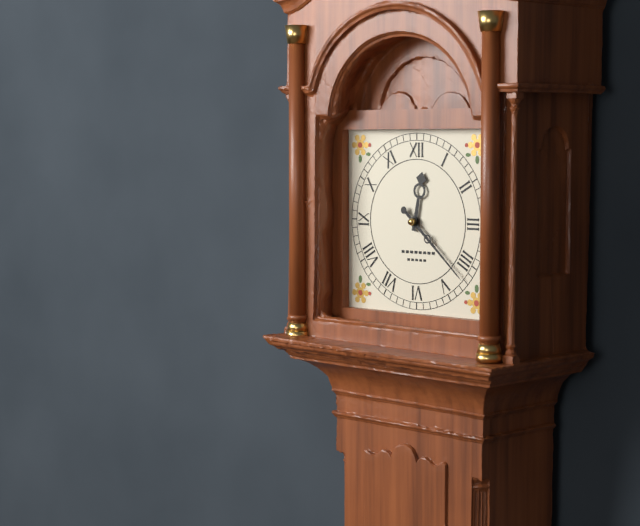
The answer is 12.22
